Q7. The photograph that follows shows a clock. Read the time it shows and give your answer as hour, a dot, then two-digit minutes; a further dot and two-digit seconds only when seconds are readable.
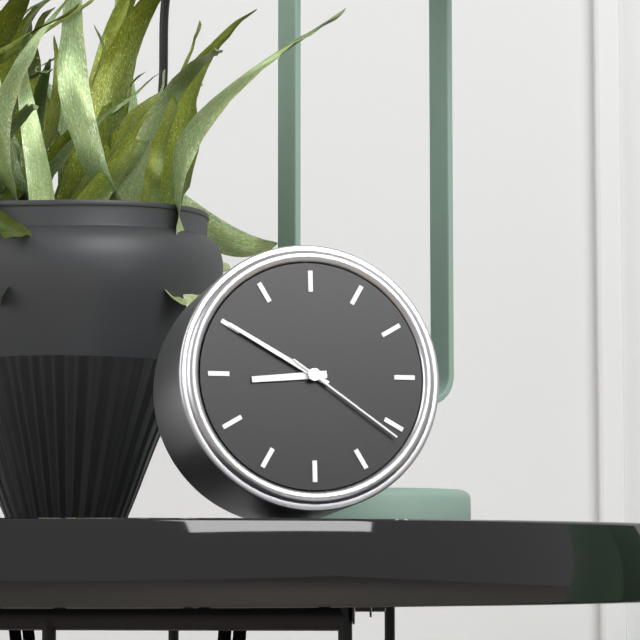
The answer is 8.50.21
